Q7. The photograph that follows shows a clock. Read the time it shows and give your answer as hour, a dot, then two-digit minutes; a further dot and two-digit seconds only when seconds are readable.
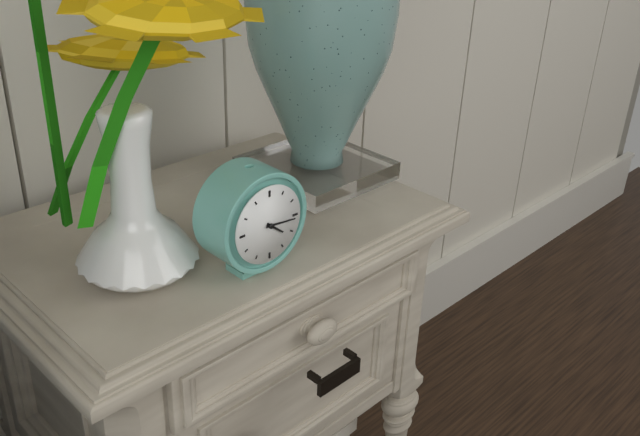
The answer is 4.16
